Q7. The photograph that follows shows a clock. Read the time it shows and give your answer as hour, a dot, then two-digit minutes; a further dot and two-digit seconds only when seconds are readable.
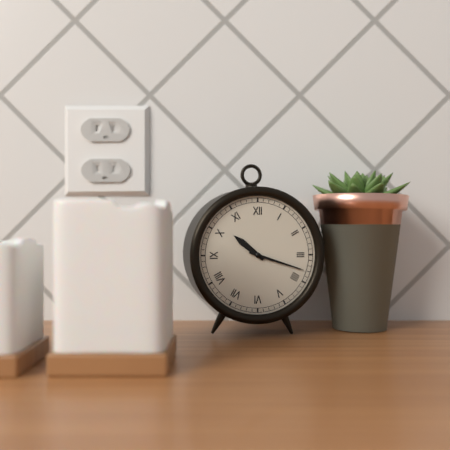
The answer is 10.18
